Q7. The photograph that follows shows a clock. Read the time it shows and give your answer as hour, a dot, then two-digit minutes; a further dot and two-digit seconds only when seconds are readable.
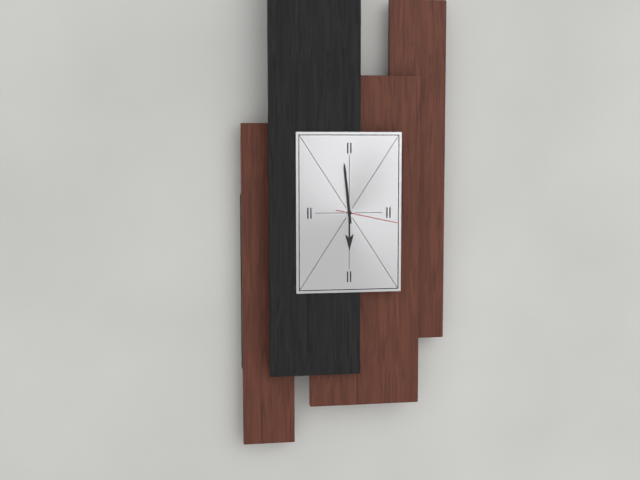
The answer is 5.59.17
